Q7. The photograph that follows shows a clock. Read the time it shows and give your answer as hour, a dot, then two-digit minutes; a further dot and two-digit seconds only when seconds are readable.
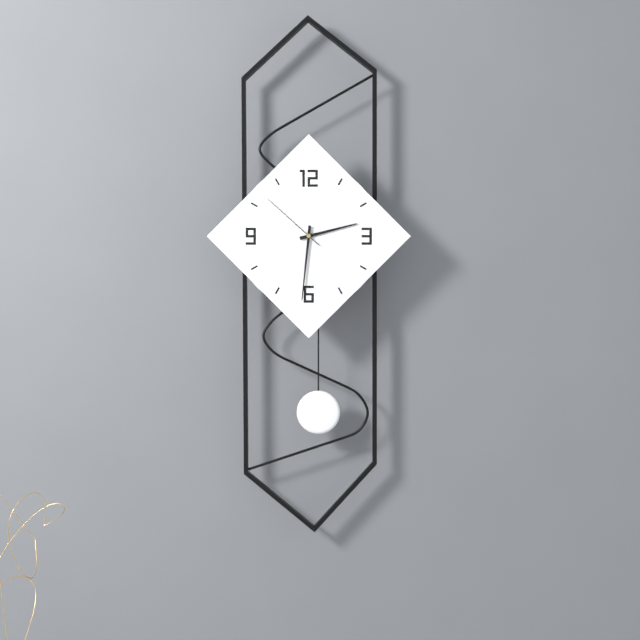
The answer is 2.31.52
